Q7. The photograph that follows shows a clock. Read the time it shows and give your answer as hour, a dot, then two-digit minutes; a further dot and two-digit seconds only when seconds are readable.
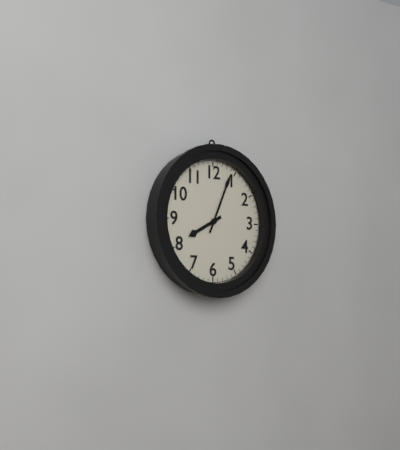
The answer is 8.04
